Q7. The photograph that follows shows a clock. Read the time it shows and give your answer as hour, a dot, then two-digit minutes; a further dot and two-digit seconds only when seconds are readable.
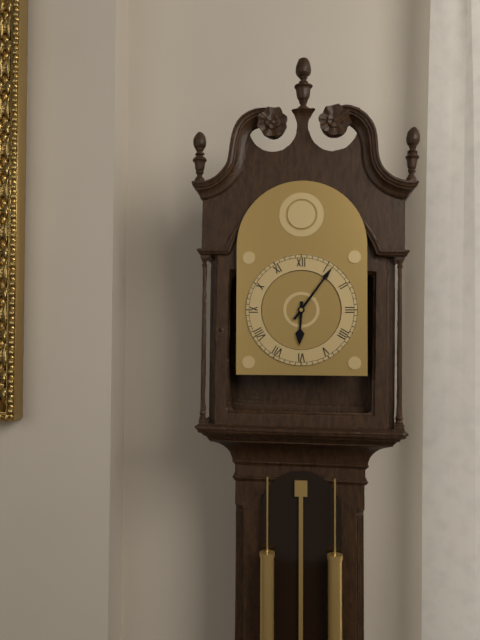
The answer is 6.06
